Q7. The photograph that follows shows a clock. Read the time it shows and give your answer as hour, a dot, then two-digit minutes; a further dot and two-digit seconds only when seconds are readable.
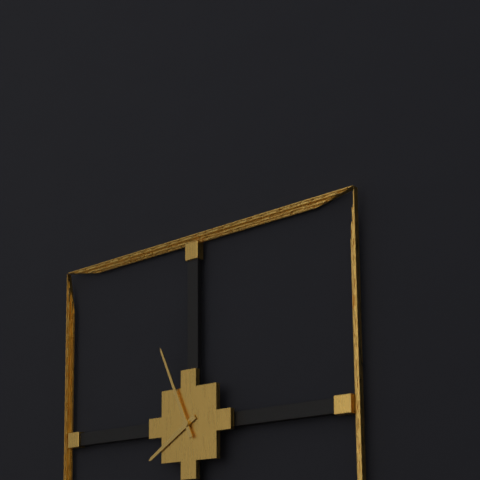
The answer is 7.56
